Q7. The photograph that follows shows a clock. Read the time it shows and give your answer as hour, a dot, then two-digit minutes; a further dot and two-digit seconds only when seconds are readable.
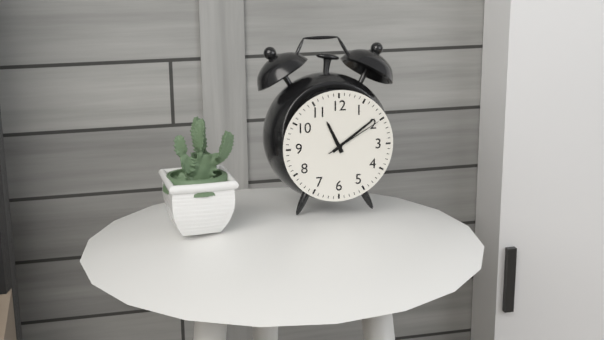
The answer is 11.09.10
